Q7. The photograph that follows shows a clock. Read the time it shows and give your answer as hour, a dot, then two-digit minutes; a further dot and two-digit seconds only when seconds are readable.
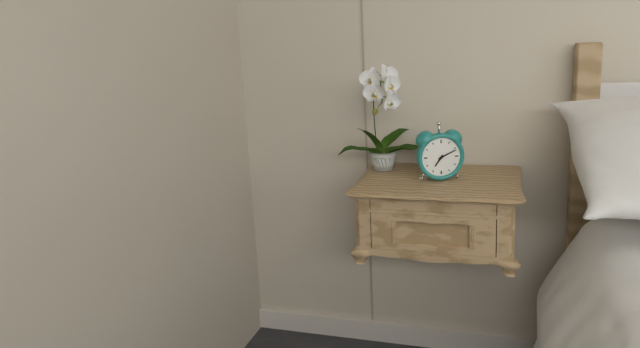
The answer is 7.11
